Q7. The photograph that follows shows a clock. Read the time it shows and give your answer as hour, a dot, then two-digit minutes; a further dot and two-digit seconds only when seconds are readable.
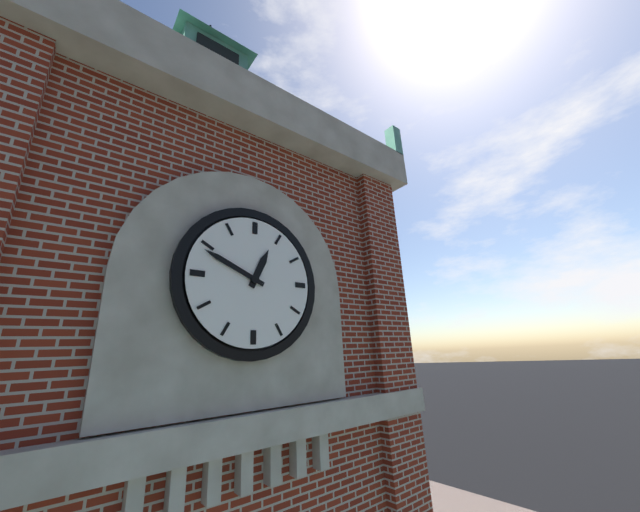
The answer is 12.49
